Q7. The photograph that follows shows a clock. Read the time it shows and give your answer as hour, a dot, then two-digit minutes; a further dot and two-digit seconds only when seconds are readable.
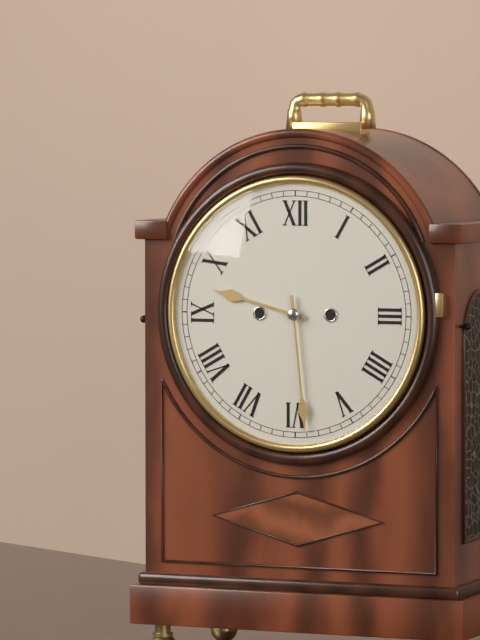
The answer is 9.29
